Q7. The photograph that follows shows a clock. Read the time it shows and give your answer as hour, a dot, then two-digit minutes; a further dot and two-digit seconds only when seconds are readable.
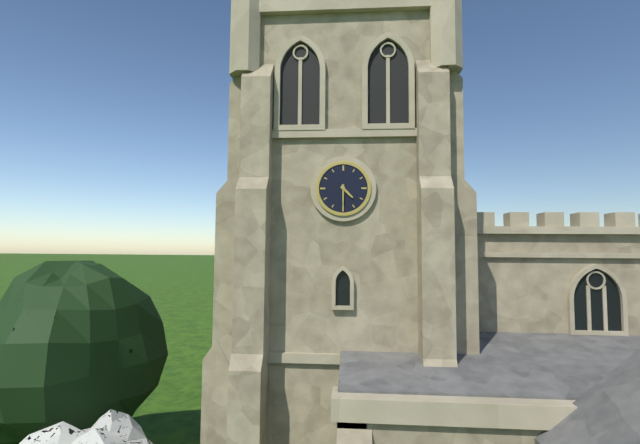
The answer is 4.30
